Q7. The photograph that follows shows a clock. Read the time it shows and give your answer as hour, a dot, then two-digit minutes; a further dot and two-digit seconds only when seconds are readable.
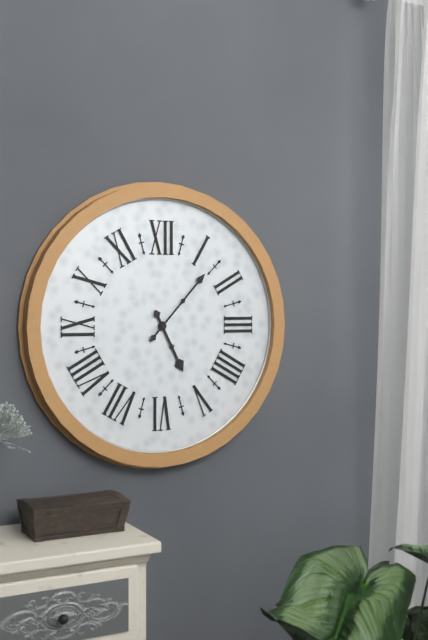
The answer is 5.07
